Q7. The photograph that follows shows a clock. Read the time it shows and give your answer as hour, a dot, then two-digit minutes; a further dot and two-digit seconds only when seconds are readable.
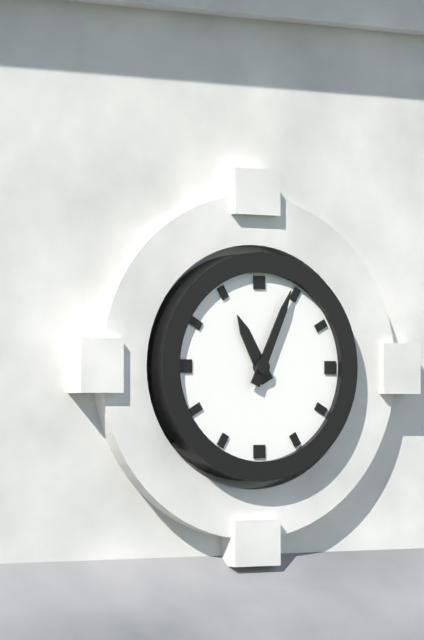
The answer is 11.04
